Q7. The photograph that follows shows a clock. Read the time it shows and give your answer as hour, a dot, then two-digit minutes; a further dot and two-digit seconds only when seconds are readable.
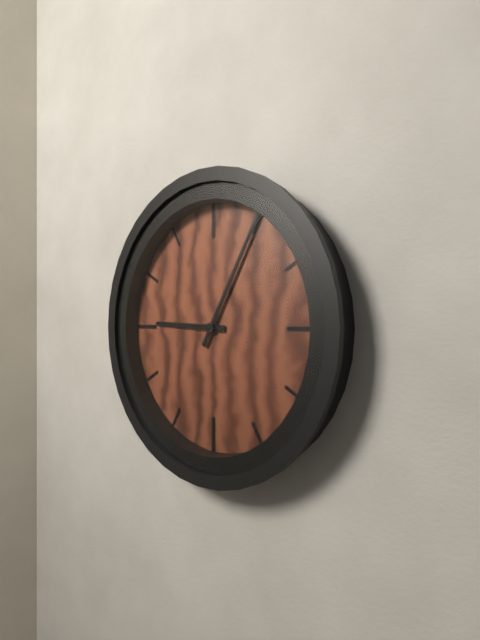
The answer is 9.05
